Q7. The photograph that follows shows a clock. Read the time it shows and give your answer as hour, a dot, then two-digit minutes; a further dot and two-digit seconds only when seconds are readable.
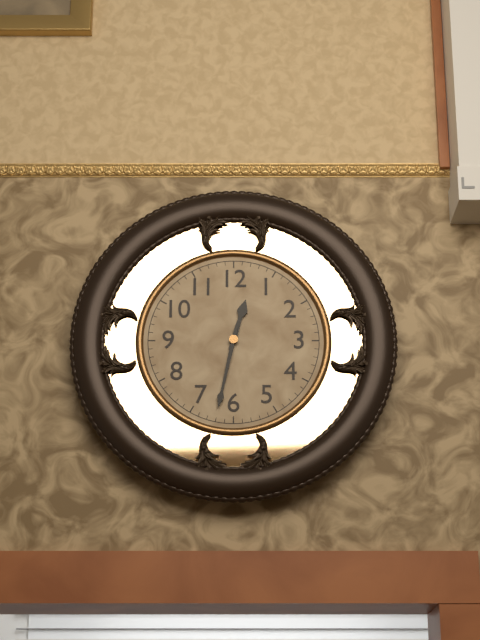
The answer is 12.32
